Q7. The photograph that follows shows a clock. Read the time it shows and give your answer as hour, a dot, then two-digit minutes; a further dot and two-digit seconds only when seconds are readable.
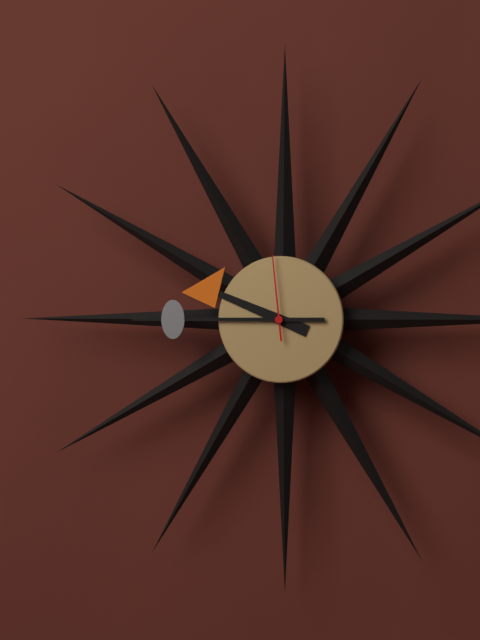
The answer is 9.45.59
